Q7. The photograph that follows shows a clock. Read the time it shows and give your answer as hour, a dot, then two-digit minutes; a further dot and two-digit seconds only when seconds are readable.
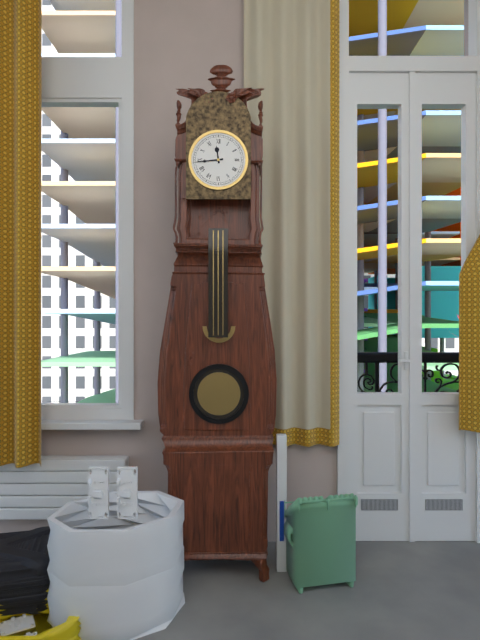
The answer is 11.44
